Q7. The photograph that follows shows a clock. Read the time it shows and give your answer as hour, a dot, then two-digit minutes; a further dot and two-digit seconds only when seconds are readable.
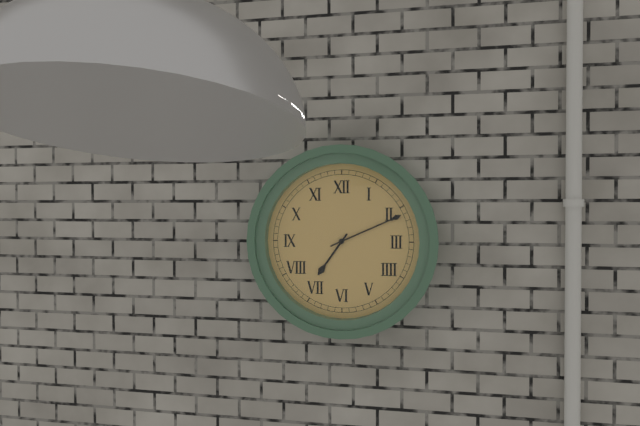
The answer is 7.11
